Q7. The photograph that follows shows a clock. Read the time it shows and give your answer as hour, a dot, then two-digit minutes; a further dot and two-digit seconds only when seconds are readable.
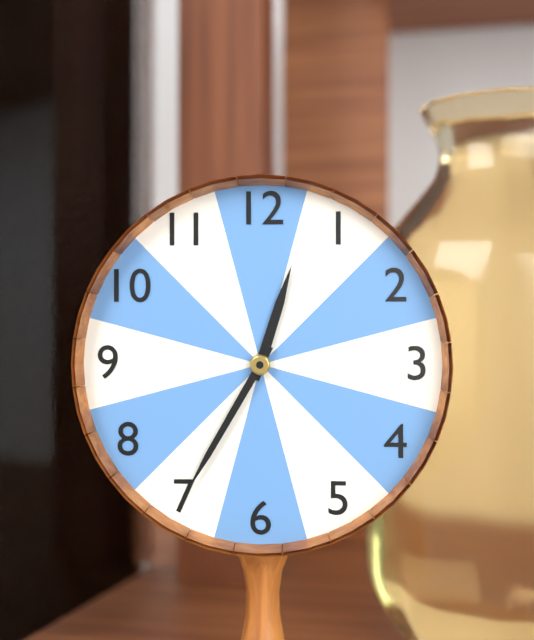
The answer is 12.35
